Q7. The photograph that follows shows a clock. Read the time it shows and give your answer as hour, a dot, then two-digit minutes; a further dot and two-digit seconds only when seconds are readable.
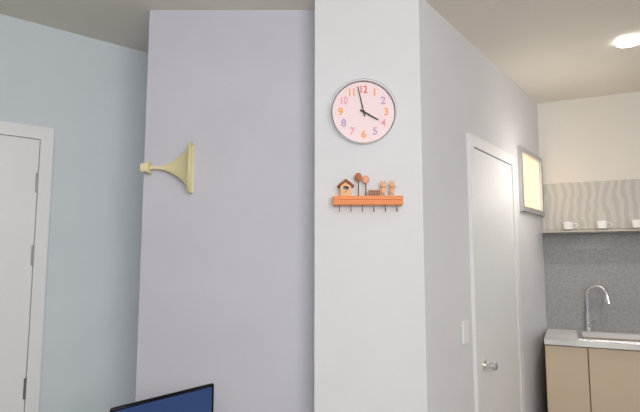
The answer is 3.58
